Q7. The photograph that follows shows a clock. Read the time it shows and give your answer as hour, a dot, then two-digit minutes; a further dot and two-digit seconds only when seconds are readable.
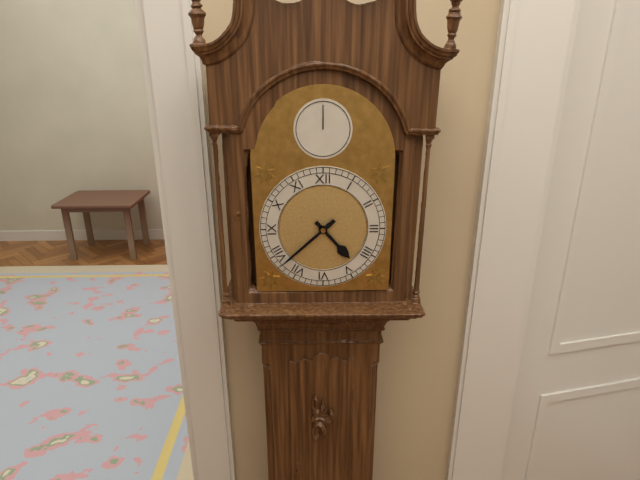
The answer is 4.38
